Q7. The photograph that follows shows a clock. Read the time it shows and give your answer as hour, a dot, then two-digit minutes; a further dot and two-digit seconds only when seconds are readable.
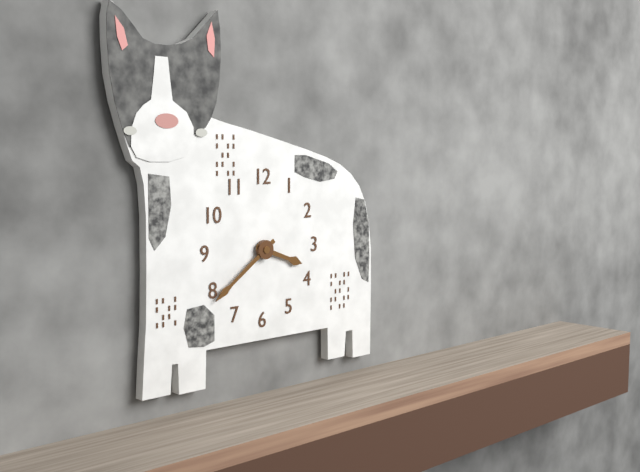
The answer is 3.39
